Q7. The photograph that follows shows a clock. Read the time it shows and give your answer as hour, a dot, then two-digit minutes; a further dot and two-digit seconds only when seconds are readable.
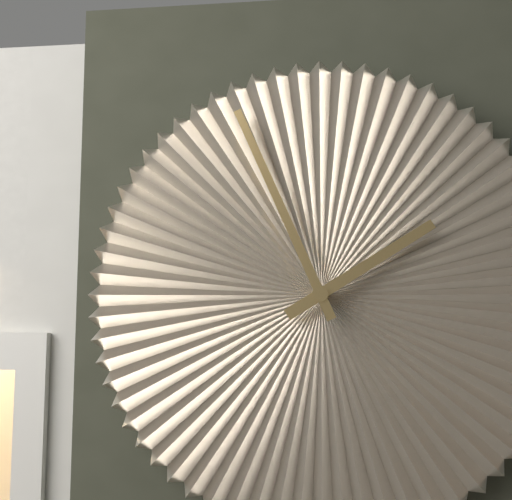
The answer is 1.56
